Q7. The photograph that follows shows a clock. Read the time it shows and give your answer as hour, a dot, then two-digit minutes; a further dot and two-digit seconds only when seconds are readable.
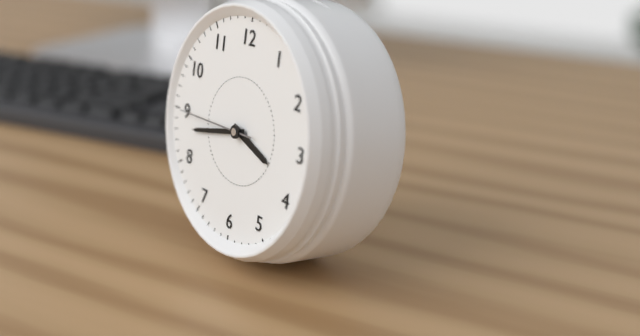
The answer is 3.43.45
